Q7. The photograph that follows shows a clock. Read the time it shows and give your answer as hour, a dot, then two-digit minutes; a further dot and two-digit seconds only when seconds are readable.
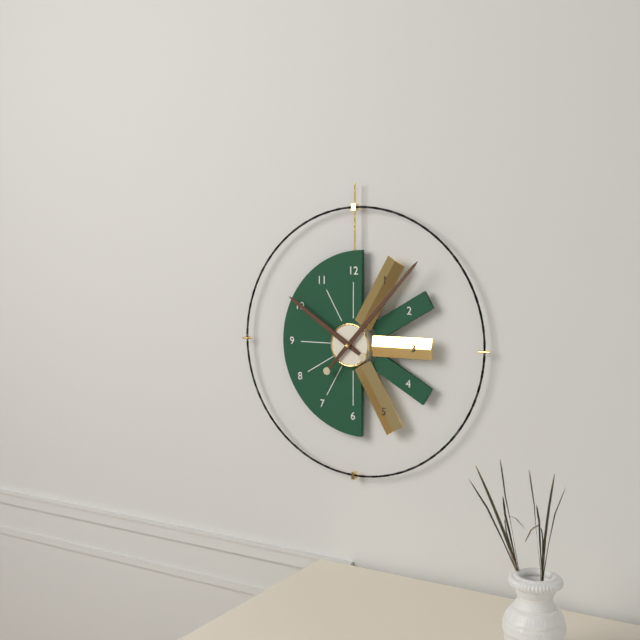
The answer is 10.07
